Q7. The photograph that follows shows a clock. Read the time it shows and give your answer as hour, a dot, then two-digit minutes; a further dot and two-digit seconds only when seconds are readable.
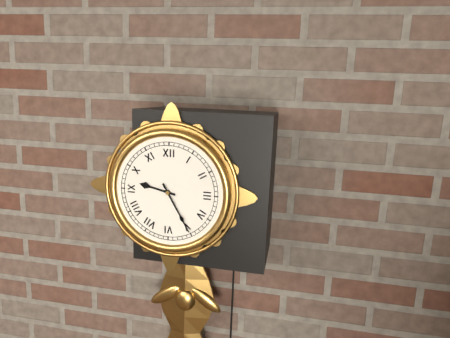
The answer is 9.25
